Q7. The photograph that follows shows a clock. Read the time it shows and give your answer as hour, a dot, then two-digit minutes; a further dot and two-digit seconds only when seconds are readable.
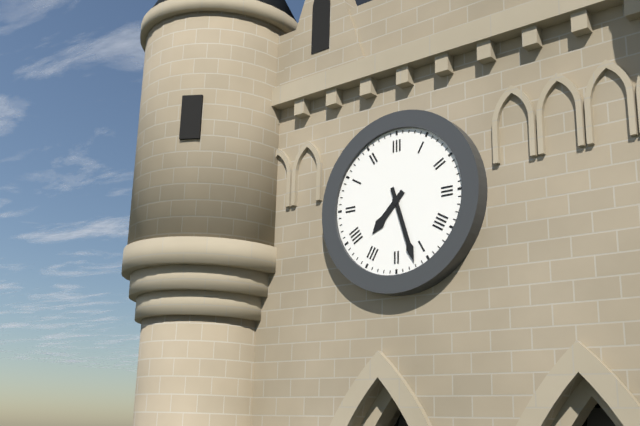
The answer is 7.27
